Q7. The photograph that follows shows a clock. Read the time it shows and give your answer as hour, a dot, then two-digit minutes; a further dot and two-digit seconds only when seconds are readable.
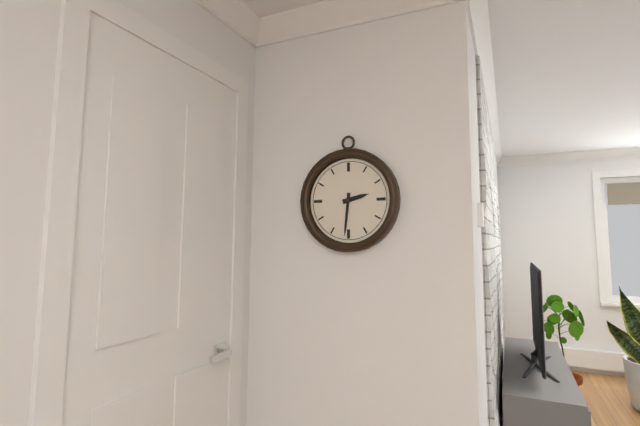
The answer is 2.31
